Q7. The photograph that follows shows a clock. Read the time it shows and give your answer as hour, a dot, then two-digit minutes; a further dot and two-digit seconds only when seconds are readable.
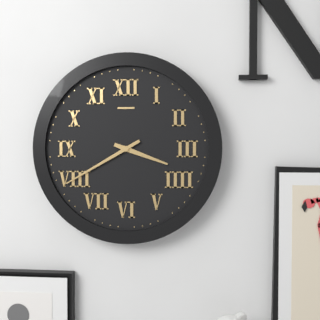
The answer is 3.40
